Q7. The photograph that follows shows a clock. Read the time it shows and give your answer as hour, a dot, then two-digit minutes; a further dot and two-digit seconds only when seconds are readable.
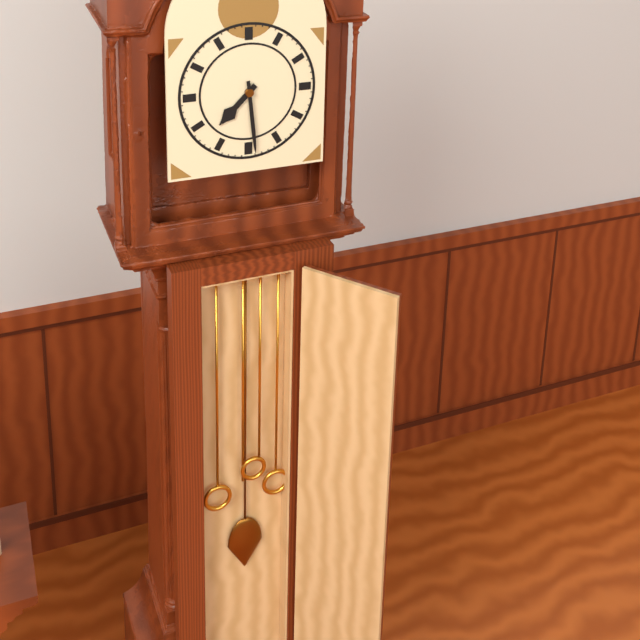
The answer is 7.29
